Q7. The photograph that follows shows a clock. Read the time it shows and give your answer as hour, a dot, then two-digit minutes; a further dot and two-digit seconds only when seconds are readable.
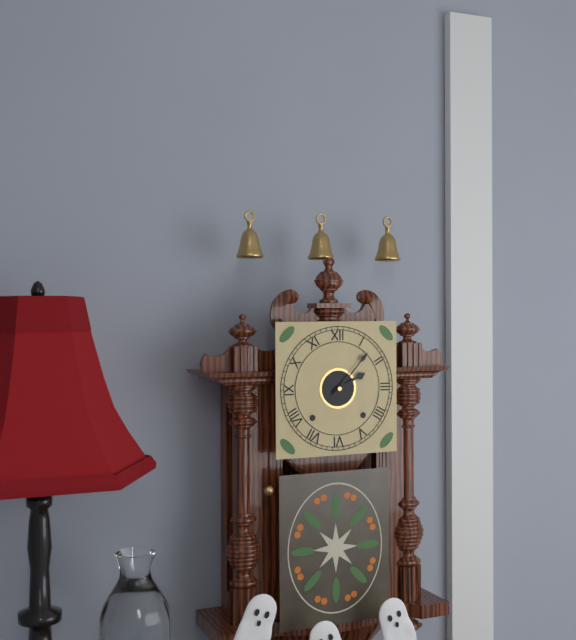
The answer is 2.07
